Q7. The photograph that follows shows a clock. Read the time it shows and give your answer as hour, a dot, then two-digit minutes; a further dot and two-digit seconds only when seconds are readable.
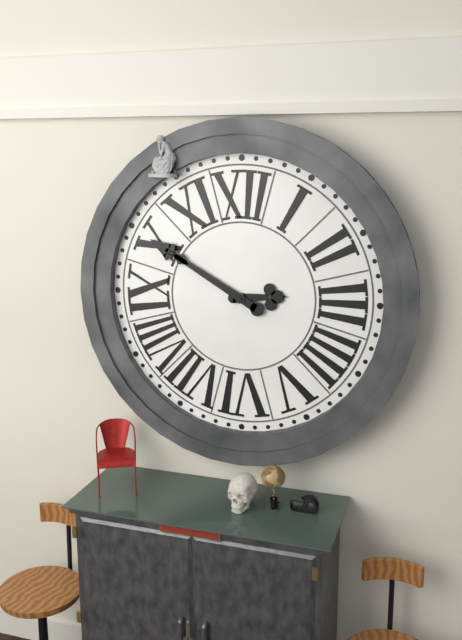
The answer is 2.50
